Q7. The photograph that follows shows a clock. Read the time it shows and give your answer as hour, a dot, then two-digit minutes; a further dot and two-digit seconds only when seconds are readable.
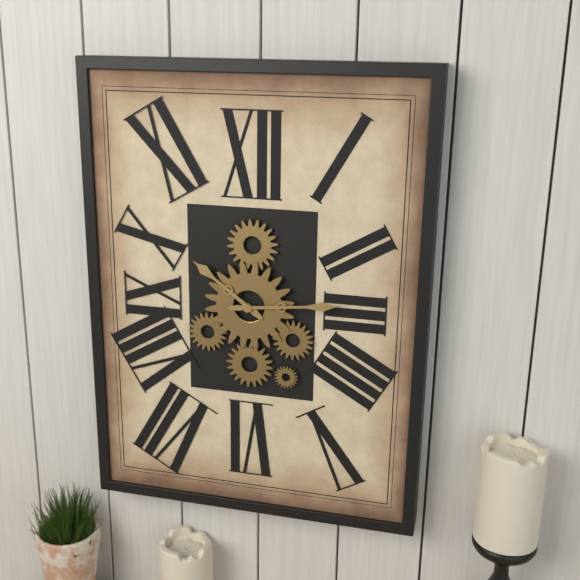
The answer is 10.14
